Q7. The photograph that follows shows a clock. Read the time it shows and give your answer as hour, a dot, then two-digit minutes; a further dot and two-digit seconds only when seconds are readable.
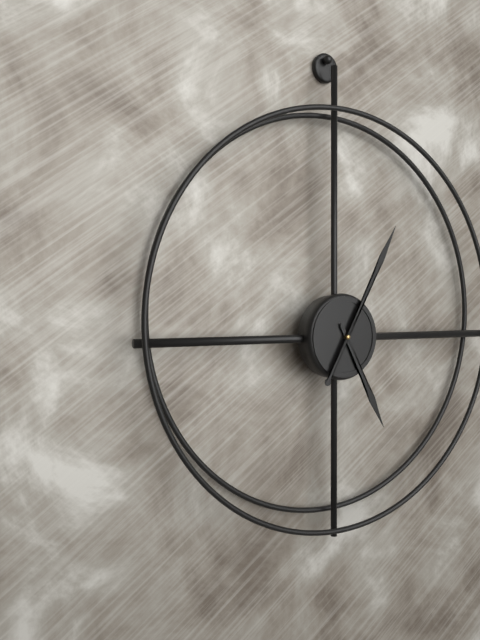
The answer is 5.05
